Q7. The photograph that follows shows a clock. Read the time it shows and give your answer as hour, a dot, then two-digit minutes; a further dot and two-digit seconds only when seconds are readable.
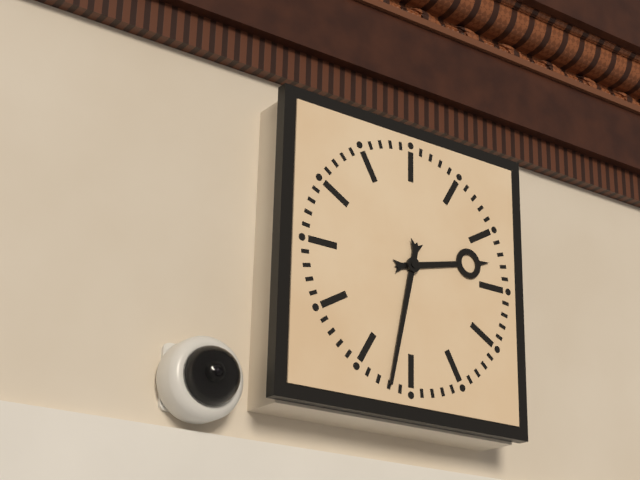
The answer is 2.32
